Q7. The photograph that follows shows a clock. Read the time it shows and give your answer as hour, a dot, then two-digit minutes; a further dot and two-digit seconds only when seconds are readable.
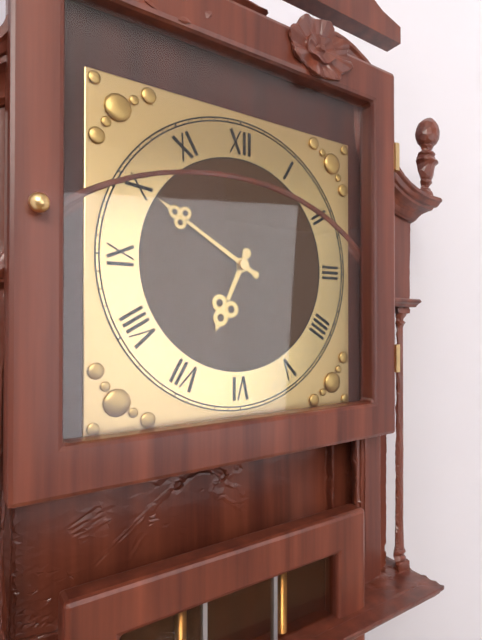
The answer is 6.50
